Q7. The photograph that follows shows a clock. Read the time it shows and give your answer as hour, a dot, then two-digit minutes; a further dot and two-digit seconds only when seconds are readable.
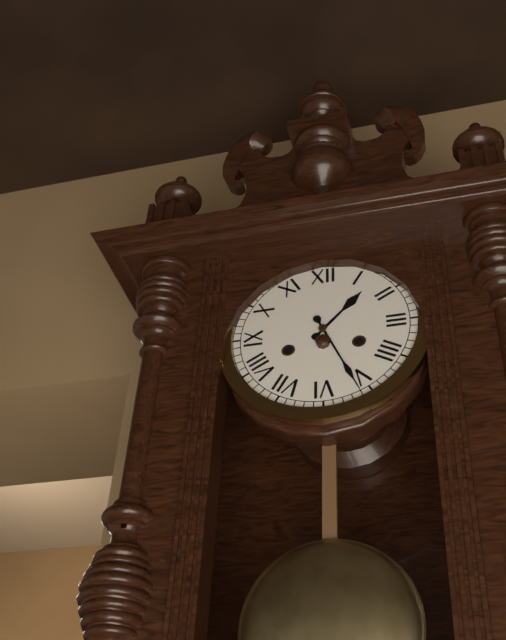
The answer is 1.26
